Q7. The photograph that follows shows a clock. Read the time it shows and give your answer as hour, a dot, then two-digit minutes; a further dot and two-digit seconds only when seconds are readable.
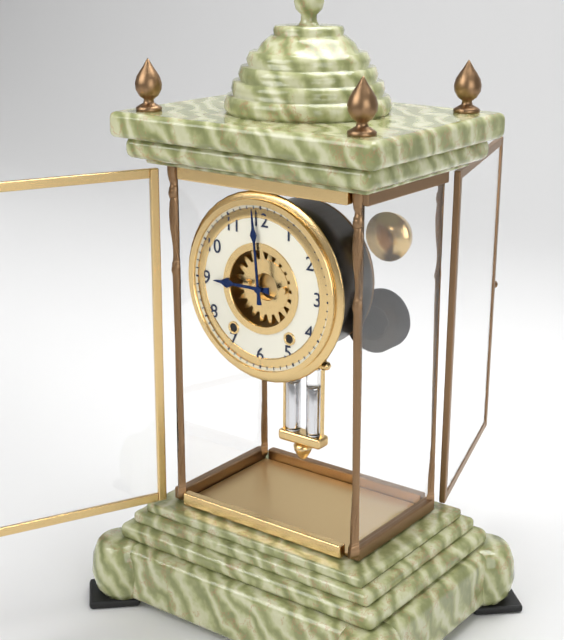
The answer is 8.59
